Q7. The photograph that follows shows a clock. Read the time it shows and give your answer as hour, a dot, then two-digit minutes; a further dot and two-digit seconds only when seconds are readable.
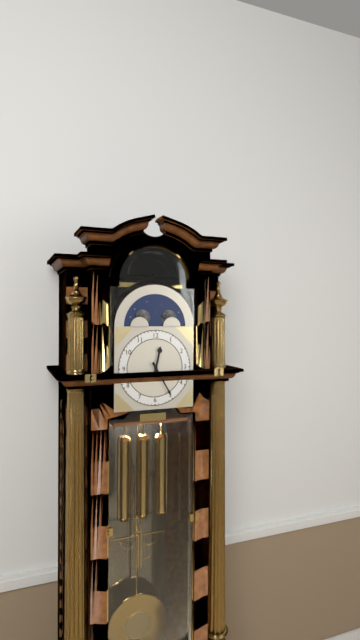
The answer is 12.25
